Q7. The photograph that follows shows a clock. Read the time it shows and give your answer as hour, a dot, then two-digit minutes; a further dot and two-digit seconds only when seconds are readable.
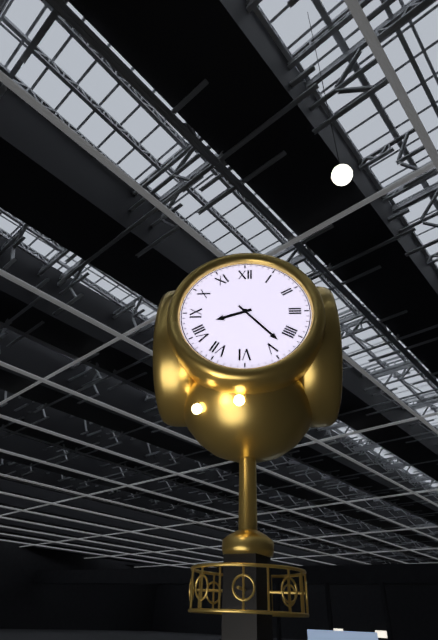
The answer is 8.23
